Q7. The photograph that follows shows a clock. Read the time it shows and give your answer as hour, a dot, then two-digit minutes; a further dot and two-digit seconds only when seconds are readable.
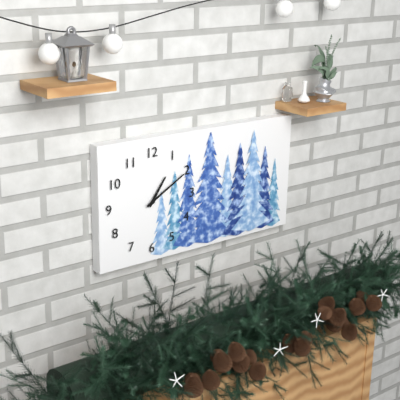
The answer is 1.10
